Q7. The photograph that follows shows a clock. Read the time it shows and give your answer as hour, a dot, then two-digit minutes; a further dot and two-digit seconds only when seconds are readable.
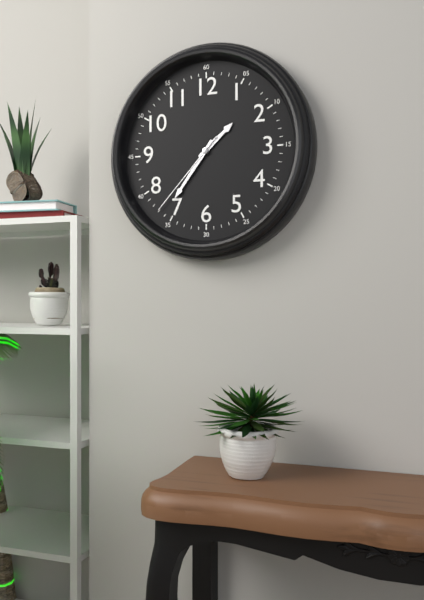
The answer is 1.36.37
